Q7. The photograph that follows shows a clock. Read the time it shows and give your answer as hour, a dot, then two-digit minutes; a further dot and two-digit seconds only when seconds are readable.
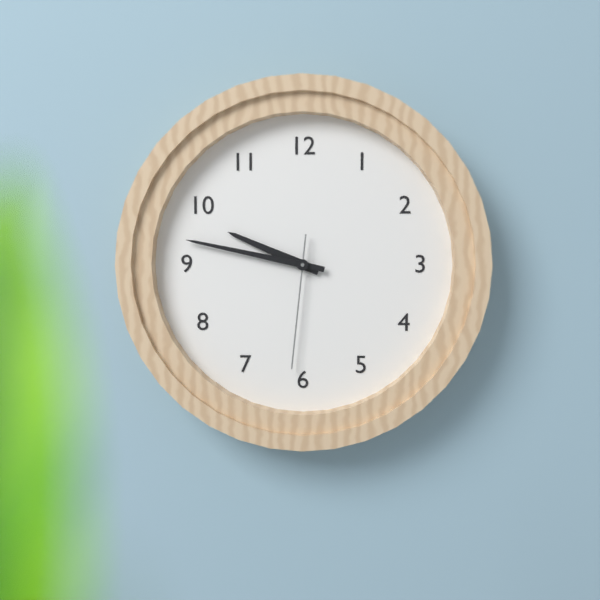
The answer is 9.47.31
